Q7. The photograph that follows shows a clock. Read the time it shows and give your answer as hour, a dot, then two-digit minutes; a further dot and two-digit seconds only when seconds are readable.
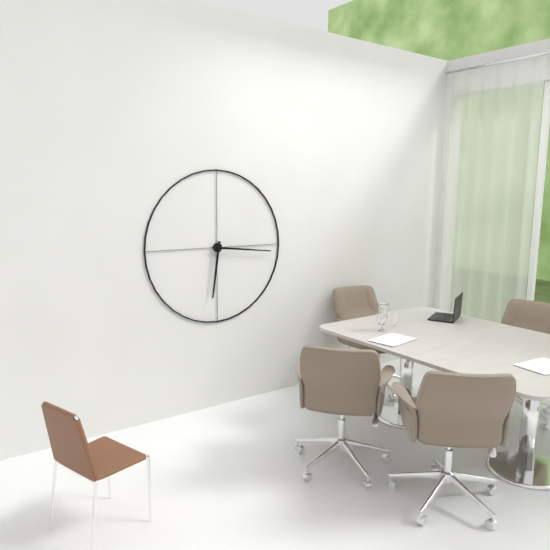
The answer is 6.16
